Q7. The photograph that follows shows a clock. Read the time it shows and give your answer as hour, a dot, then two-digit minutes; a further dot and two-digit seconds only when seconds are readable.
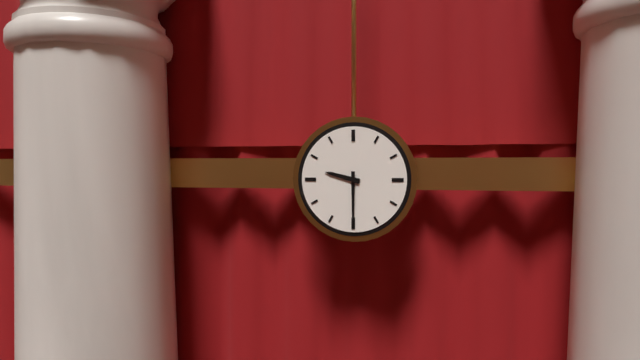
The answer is 9.30
